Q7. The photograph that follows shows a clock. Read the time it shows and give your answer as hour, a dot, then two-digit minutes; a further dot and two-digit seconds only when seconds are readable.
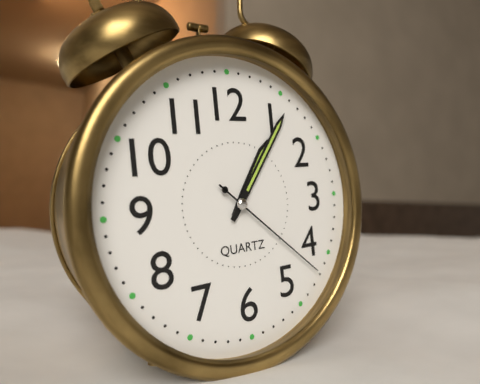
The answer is 1.06.22
